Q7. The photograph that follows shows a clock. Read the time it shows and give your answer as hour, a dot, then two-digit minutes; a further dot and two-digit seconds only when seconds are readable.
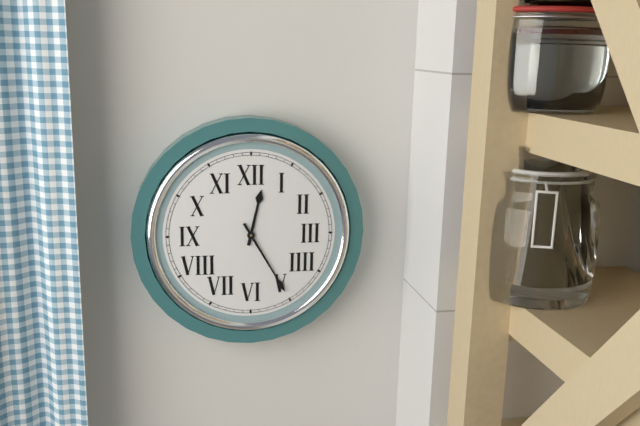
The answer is 12.25
